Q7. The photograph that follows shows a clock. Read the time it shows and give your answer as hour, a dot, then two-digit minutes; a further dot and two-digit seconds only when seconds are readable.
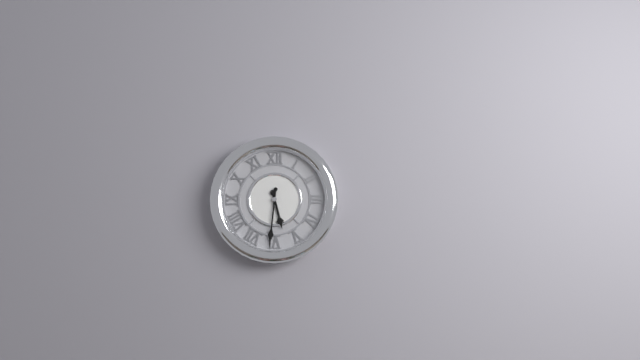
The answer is 5.31
